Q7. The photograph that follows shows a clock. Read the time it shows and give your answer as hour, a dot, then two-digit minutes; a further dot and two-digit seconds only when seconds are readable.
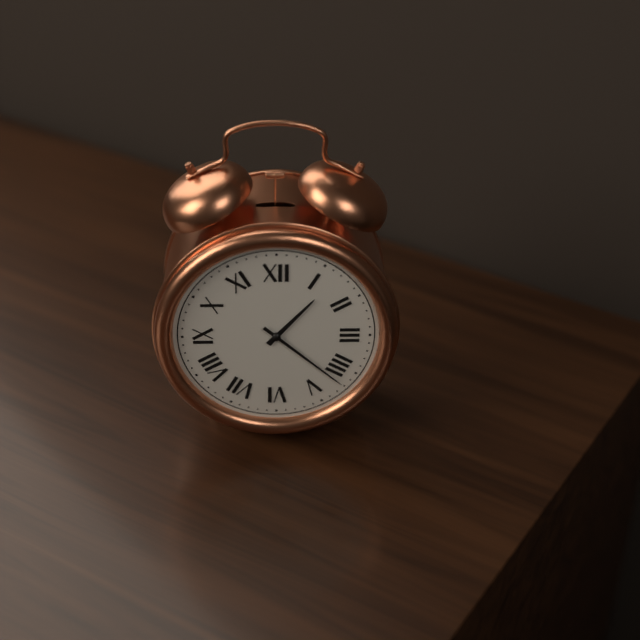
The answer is 1.22
